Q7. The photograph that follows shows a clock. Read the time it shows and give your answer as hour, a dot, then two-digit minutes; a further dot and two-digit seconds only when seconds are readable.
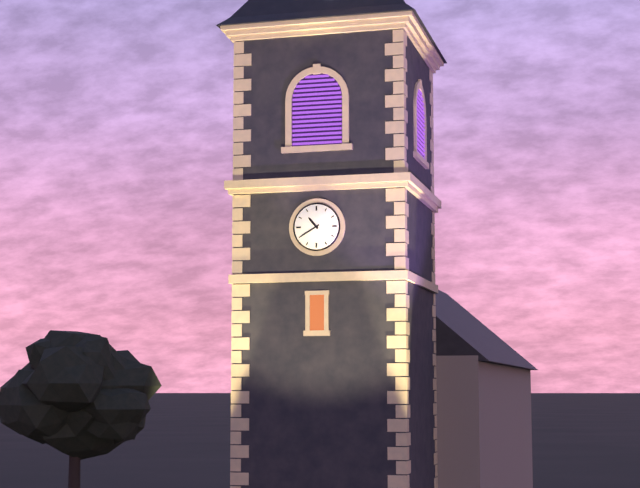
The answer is 10.40
